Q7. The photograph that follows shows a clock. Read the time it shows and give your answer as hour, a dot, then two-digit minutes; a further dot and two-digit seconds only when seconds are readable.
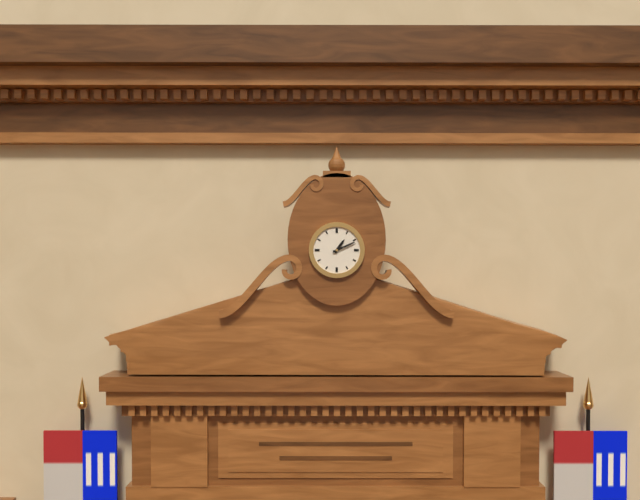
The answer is 1.11
